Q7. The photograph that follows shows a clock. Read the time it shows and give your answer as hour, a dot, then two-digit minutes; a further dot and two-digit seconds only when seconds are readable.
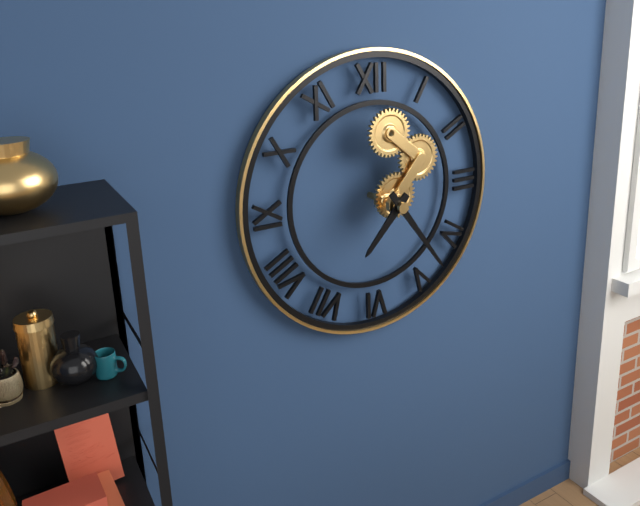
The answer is 7.24
